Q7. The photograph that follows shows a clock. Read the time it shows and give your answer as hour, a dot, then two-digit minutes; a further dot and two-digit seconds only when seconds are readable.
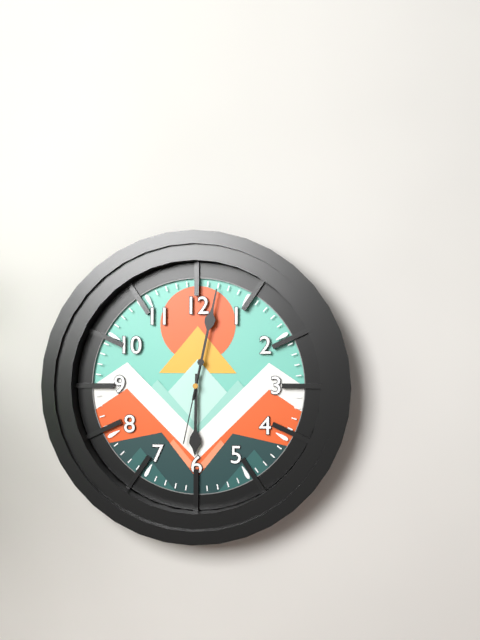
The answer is 6.02.32
